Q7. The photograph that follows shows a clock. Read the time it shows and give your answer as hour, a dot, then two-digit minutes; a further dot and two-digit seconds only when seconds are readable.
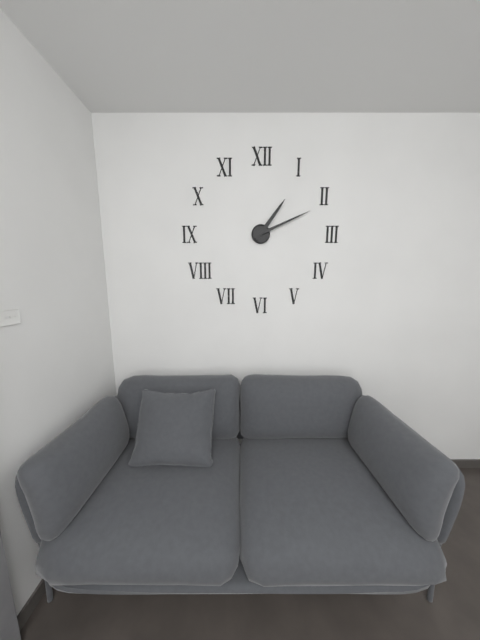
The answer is 1.11
